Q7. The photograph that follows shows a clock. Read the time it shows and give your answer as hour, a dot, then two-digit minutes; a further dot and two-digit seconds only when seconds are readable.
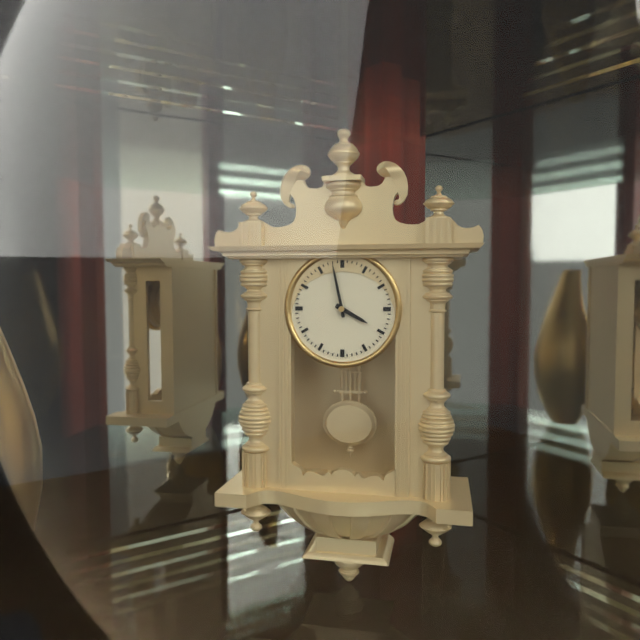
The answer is 3.58
